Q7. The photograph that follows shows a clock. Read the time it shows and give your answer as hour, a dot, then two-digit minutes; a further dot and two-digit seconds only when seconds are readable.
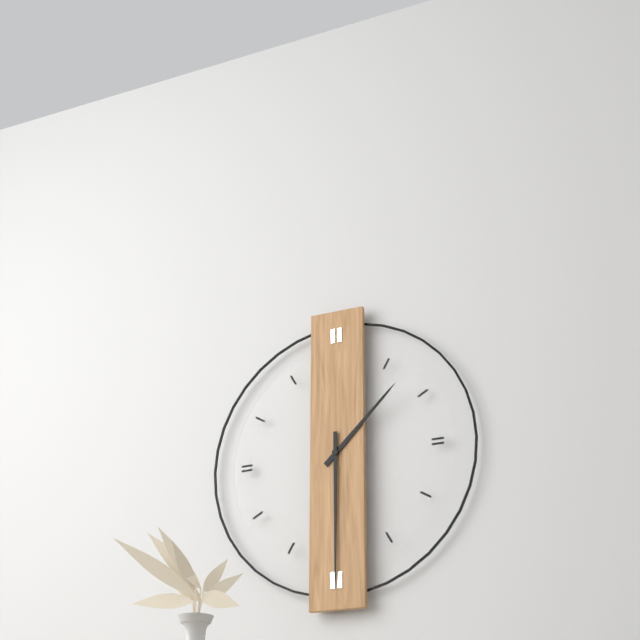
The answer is 1.30
